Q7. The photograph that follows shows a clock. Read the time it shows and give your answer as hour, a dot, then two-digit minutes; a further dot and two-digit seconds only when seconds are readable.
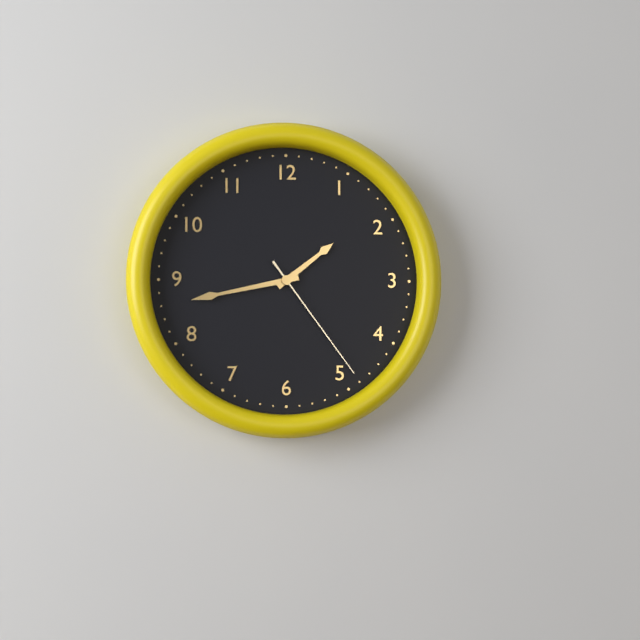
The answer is 1.43.24
